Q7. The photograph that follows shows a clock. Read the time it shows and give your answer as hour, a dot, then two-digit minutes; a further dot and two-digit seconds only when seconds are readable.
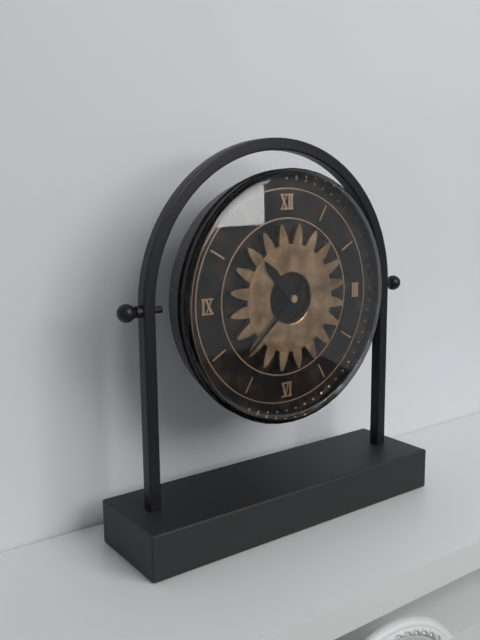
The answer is 10.38
